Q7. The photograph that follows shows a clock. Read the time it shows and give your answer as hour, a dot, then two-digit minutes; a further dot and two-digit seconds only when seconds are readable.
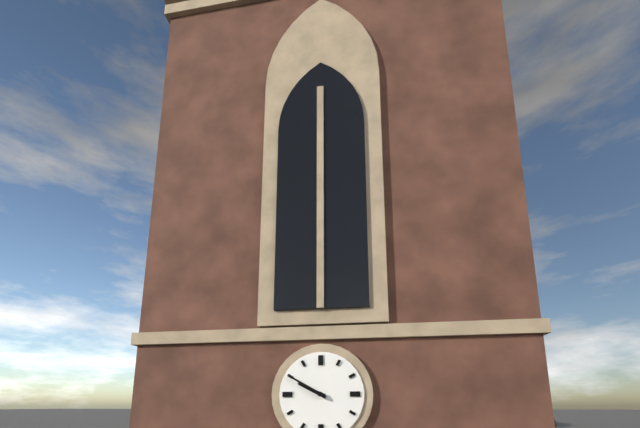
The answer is 9.50
